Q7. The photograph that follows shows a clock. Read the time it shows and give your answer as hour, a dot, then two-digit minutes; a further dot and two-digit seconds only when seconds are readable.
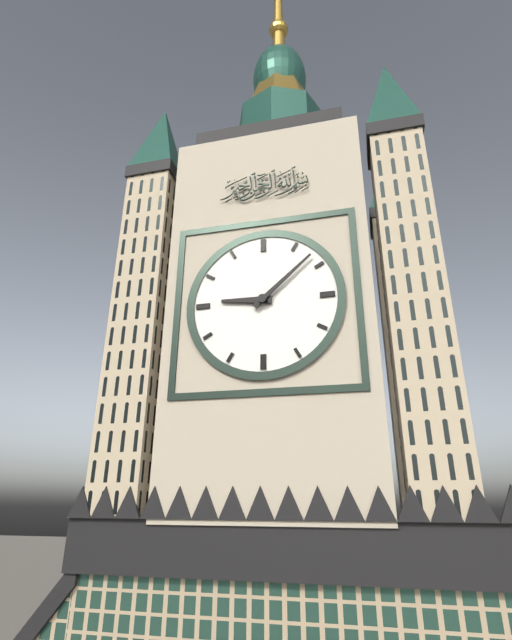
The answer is 9.08
